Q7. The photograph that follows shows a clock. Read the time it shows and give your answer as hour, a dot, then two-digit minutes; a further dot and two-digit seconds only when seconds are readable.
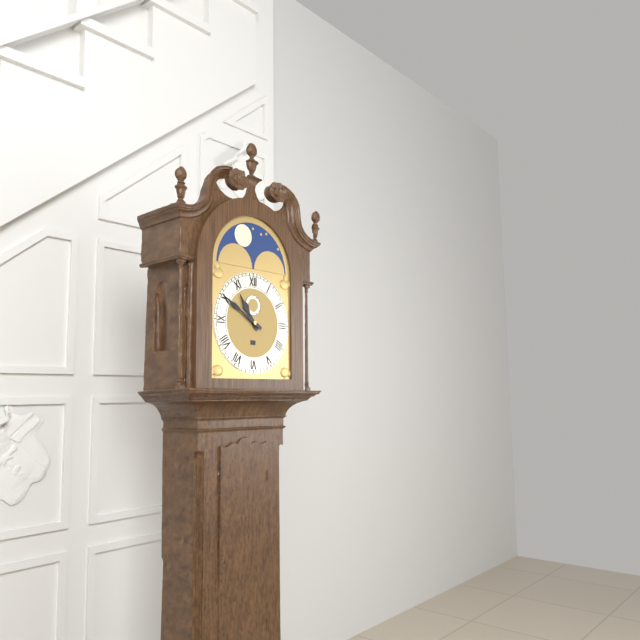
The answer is 10.50
